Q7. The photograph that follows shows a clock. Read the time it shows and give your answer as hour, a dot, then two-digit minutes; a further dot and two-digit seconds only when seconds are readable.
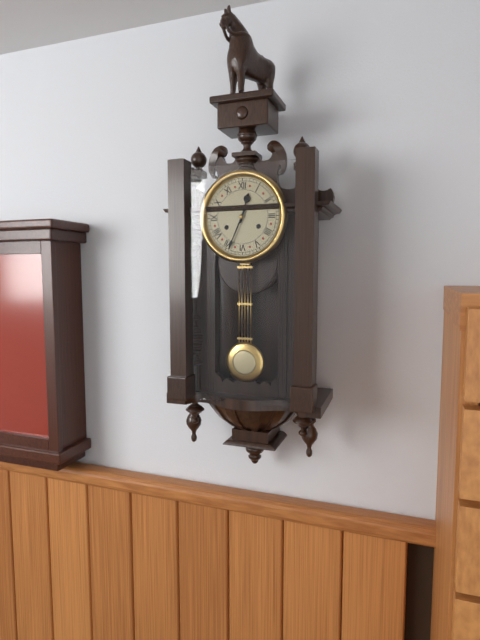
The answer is 12.34
